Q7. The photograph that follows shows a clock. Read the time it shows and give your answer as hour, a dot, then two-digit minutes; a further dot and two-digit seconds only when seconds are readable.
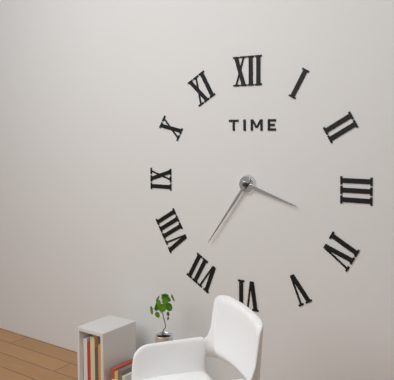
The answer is 3.36
